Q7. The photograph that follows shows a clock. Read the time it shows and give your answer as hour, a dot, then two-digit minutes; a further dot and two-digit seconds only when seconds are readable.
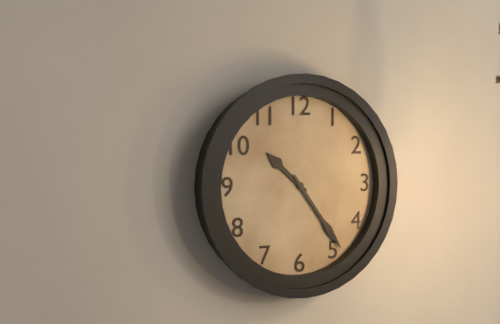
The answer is 10.24
